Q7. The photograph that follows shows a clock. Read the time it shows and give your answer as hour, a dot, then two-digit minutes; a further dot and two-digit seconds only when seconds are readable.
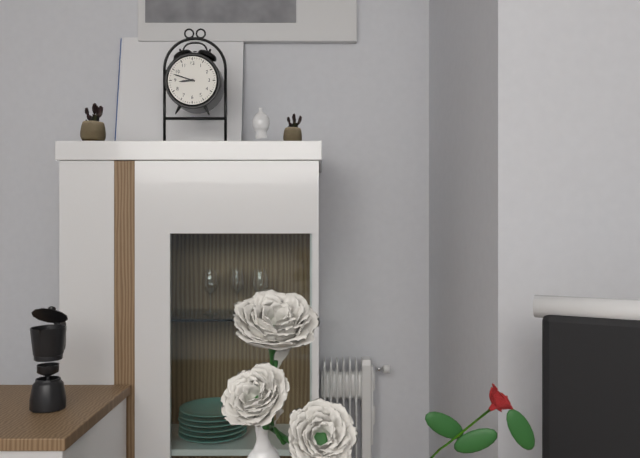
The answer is 8.48
